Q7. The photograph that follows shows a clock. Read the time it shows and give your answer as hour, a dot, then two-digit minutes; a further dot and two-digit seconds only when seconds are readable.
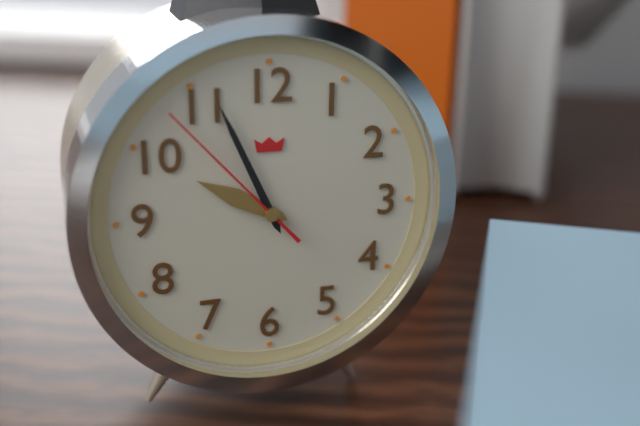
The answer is 9.56.53
